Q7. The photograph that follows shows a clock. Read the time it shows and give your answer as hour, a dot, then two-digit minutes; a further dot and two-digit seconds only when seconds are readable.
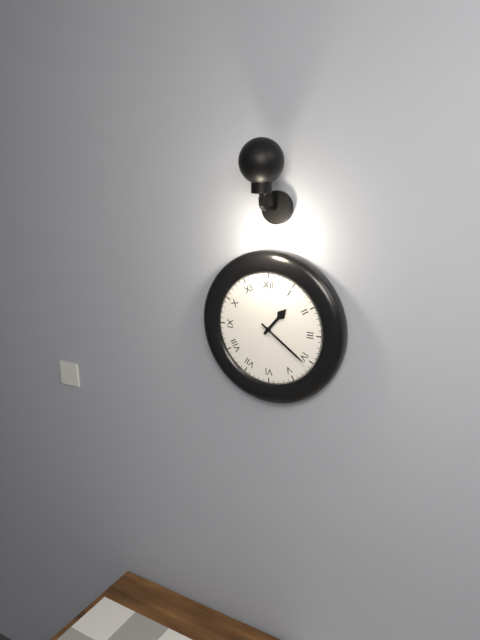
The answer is 1.21
